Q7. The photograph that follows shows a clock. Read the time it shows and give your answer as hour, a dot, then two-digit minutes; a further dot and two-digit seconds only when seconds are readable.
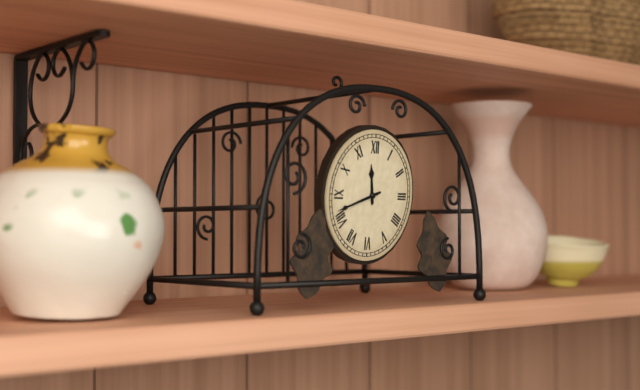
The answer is 11.42
